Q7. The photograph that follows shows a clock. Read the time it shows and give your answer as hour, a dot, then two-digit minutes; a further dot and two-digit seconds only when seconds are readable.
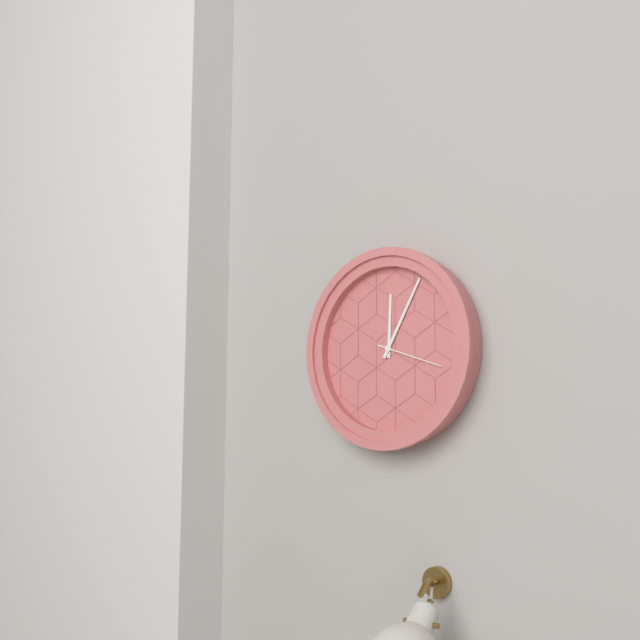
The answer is 12.05.18
